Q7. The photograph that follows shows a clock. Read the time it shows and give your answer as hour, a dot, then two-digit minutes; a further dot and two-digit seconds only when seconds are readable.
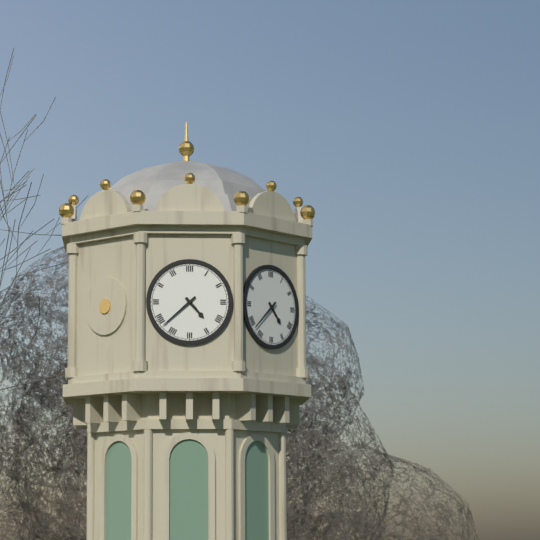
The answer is 4.38
